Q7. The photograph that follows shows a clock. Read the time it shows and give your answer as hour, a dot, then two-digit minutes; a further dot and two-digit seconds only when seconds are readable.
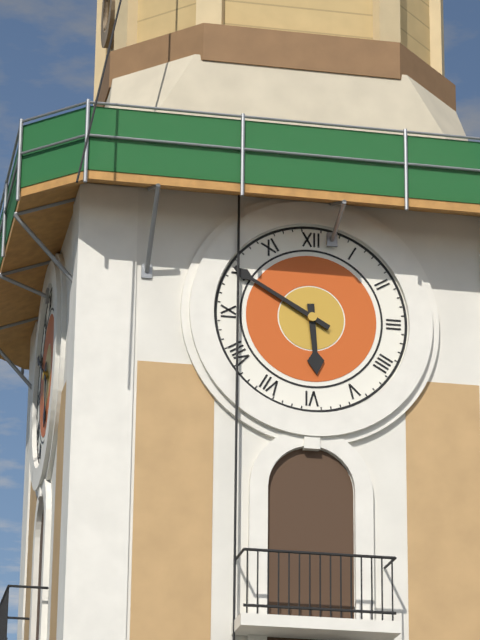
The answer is 5.50
